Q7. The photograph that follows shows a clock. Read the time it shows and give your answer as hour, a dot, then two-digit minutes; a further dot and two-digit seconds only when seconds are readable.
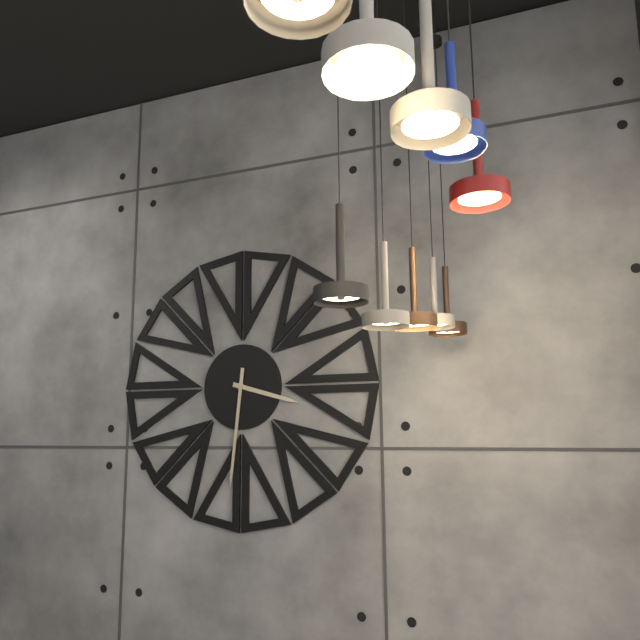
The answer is 3.31
